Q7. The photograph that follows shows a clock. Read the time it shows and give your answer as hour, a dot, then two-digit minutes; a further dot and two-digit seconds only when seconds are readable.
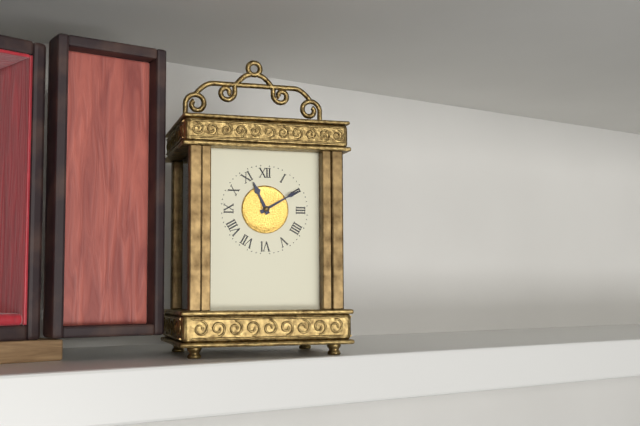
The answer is 11.10
